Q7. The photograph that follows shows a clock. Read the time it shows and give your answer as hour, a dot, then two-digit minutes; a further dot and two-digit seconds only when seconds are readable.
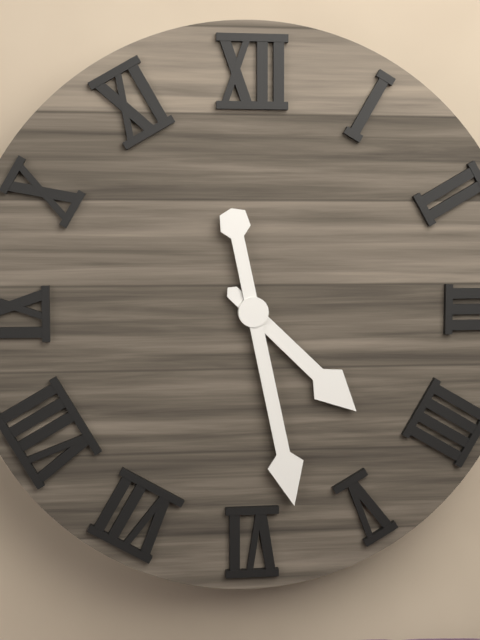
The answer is 4.28
